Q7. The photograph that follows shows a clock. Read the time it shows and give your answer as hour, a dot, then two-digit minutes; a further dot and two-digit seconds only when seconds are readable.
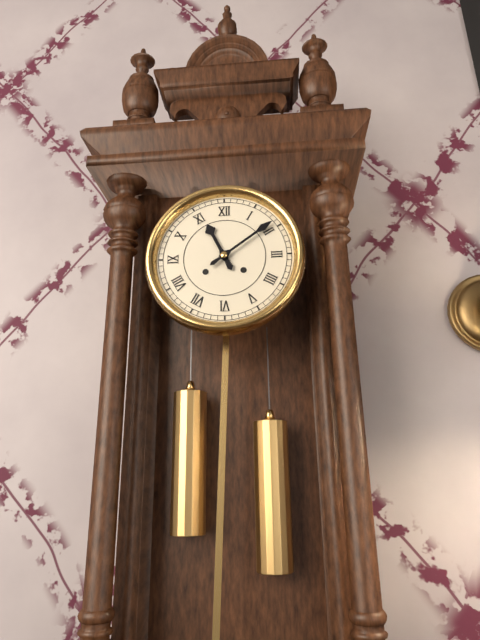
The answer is 11.09
